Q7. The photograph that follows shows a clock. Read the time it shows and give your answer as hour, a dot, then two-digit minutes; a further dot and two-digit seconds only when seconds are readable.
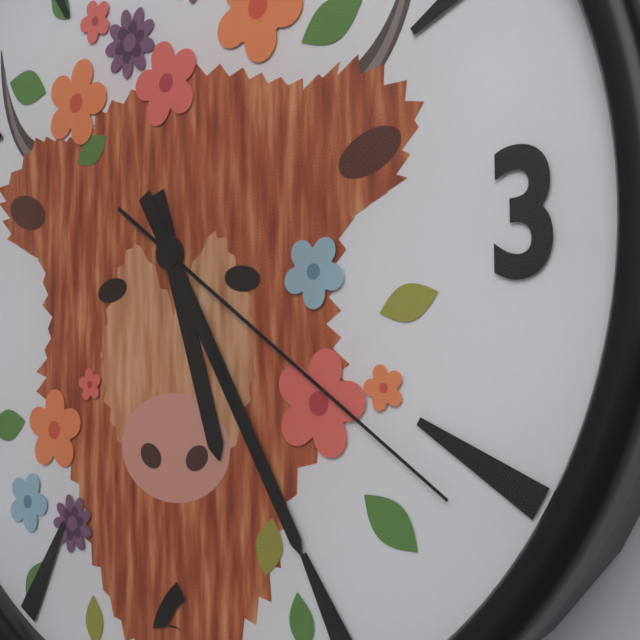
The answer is 5.25.21
